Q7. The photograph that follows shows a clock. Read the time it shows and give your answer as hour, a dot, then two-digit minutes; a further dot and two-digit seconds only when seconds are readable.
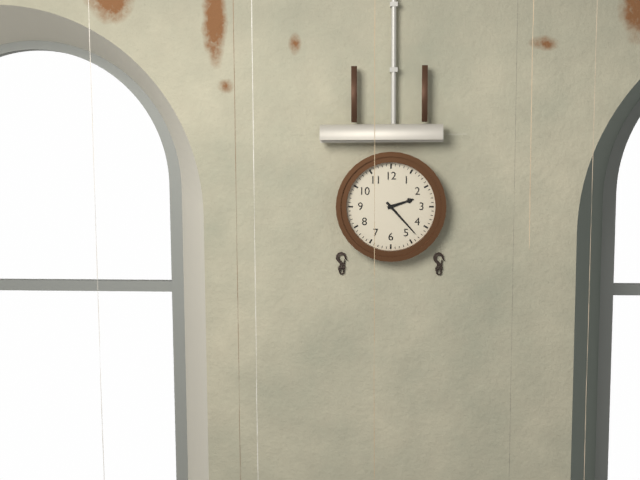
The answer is 2.23
